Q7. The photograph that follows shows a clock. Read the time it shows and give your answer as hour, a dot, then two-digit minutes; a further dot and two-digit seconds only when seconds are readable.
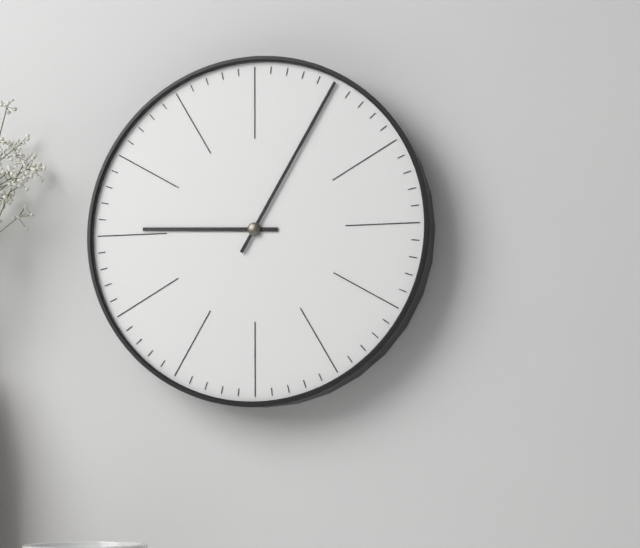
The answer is 9.05
